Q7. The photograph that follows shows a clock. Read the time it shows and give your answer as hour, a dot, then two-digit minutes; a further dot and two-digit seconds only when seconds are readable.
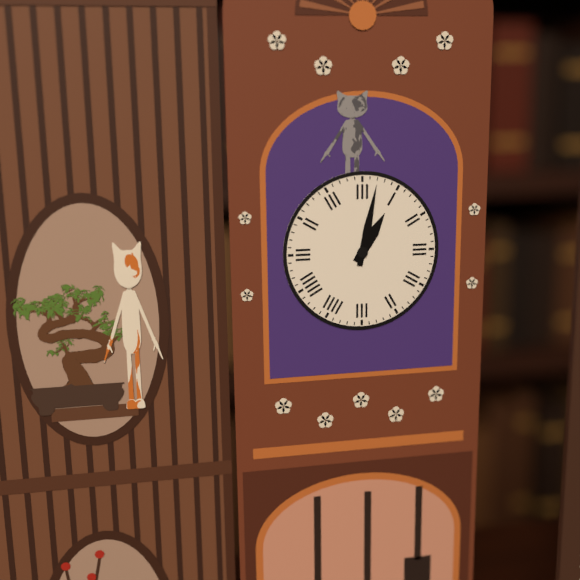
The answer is 1.02
